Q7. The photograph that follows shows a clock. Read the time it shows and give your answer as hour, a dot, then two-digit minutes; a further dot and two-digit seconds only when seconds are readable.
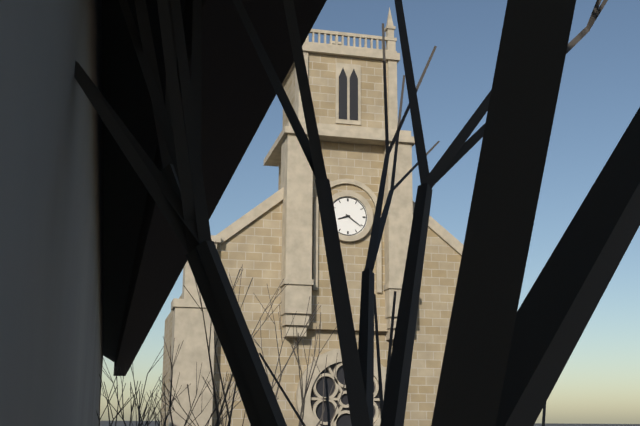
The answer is 8.21
